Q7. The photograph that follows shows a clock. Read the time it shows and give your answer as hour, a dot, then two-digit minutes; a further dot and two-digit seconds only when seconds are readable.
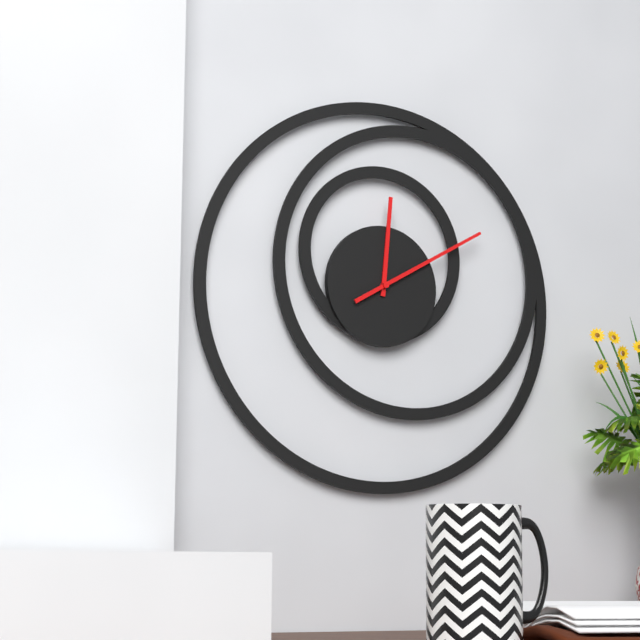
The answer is 12.10
